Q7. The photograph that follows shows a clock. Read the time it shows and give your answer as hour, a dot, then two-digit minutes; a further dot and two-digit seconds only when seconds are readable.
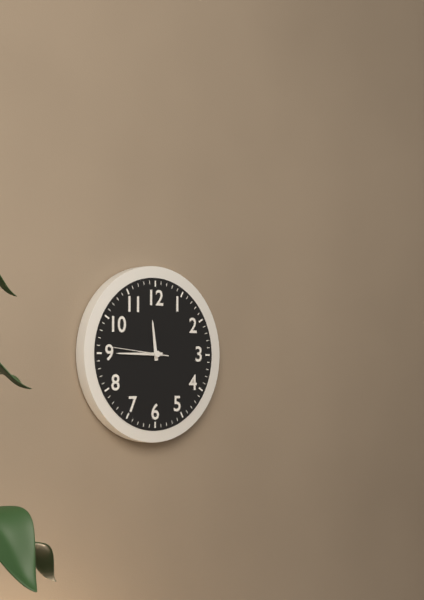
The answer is 11.45.46
